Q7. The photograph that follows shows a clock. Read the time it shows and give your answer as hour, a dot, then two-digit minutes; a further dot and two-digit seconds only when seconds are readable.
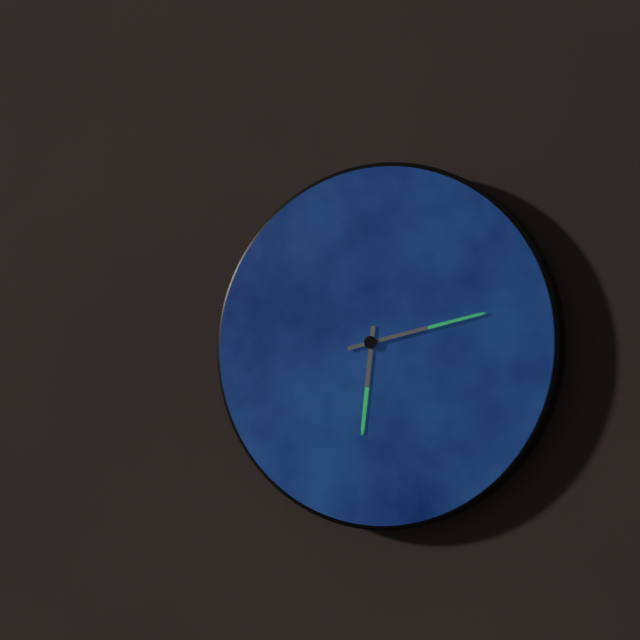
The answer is 6.13
